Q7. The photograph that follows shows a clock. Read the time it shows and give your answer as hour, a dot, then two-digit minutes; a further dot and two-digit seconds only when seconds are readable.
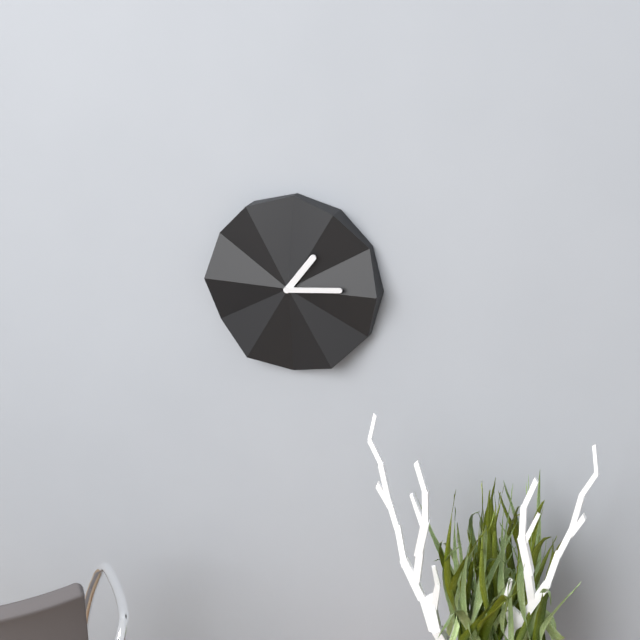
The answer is 1.14
